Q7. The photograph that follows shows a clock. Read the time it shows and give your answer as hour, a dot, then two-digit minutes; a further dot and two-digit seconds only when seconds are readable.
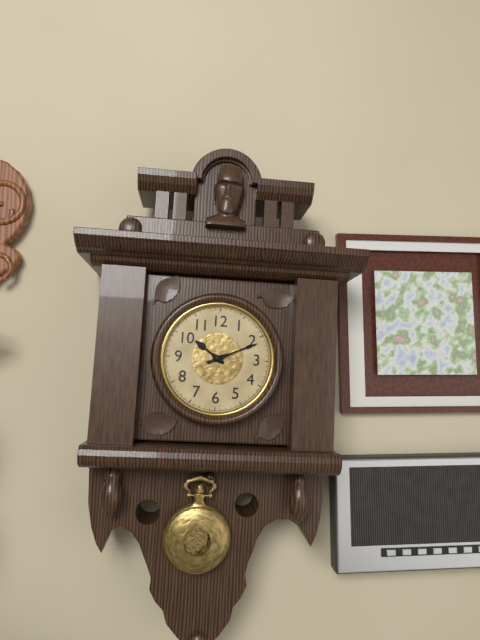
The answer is 10.11
